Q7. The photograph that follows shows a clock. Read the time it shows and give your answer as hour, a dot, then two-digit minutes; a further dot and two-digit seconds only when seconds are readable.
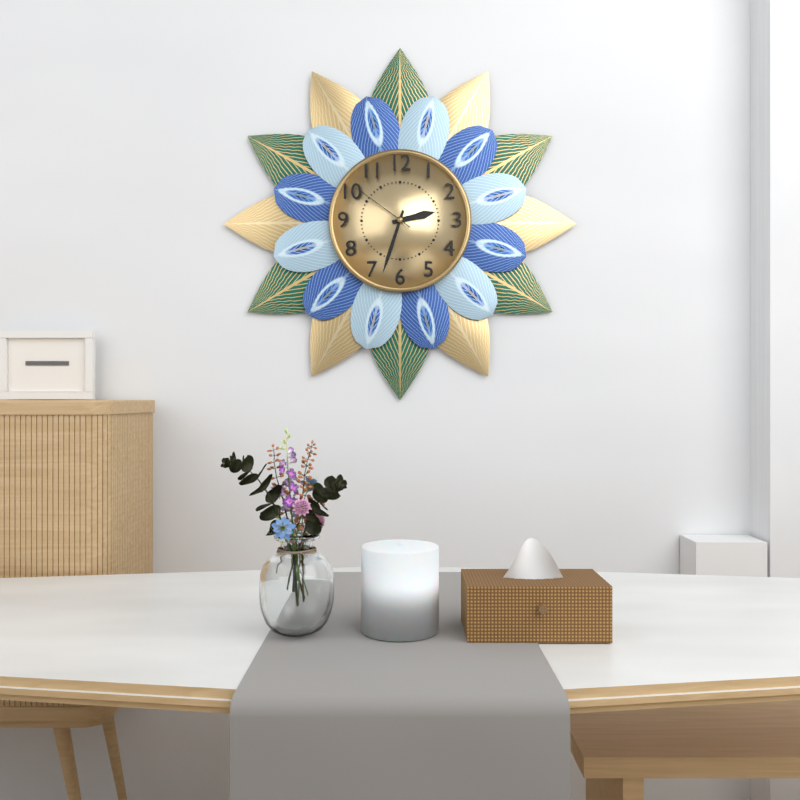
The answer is 2.33.51
